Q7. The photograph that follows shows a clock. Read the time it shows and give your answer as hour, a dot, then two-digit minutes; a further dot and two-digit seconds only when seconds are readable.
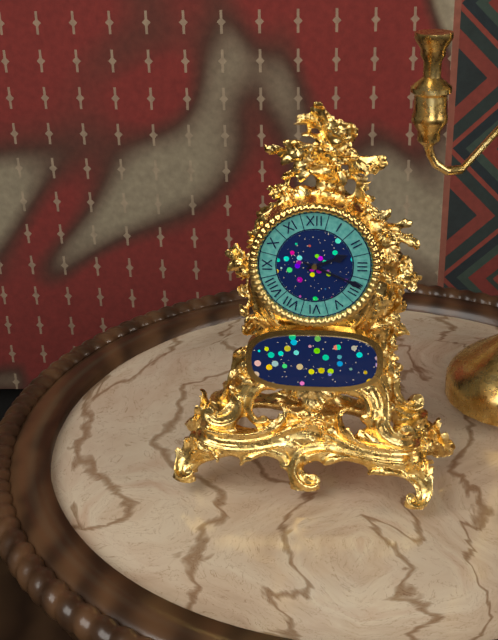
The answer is 2.19
